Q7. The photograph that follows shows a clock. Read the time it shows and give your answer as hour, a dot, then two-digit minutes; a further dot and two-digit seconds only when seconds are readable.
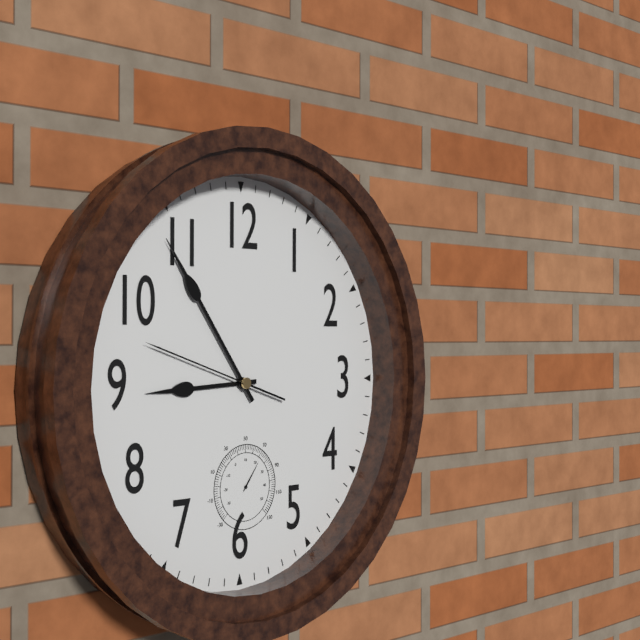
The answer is 8.54.48
